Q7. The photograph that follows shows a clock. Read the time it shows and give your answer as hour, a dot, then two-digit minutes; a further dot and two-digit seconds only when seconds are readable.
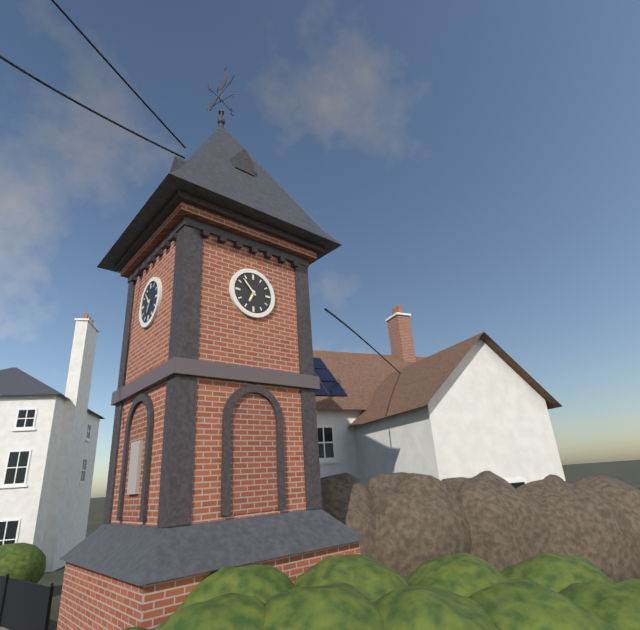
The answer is 6.53
